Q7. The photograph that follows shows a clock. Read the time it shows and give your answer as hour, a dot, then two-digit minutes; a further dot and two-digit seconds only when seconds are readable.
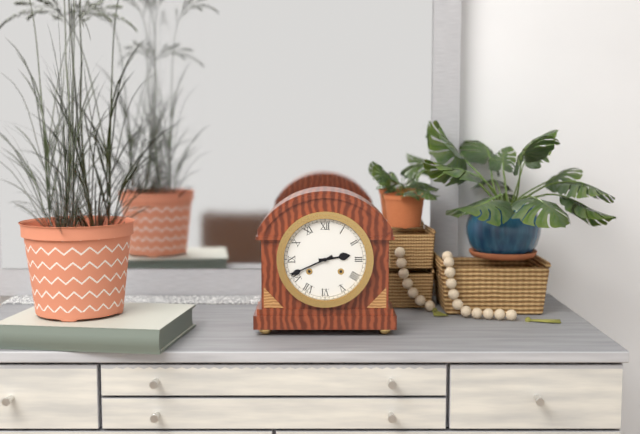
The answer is 2.41
